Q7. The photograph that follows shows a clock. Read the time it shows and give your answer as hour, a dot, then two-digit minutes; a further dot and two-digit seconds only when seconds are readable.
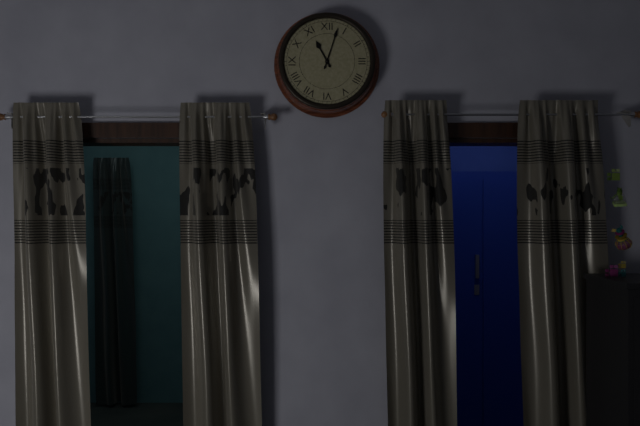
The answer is 11.03
